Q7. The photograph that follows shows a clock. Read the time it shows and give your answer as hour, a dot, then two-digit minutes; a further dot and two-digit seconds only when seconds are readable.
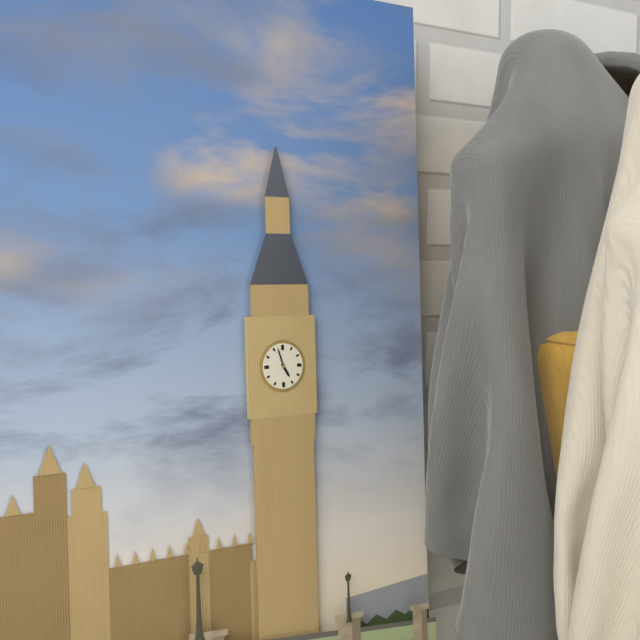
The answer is 4.57
